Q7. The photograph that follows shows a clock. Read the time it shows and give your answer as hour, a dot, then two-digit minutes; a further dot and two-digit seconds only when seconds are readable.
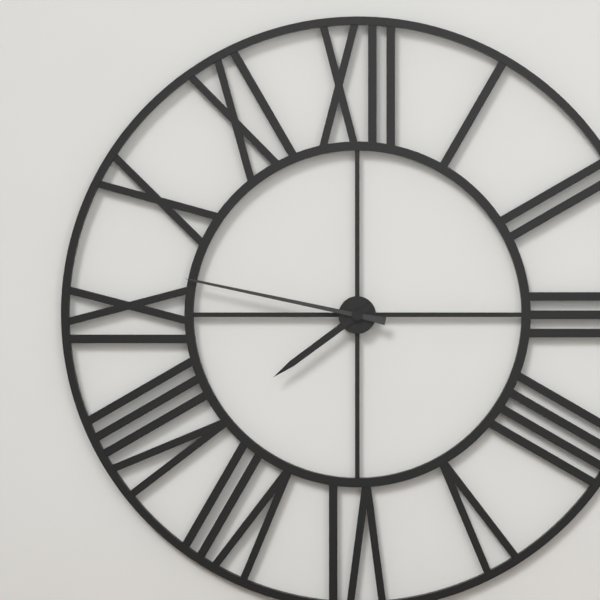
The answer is 7.47
